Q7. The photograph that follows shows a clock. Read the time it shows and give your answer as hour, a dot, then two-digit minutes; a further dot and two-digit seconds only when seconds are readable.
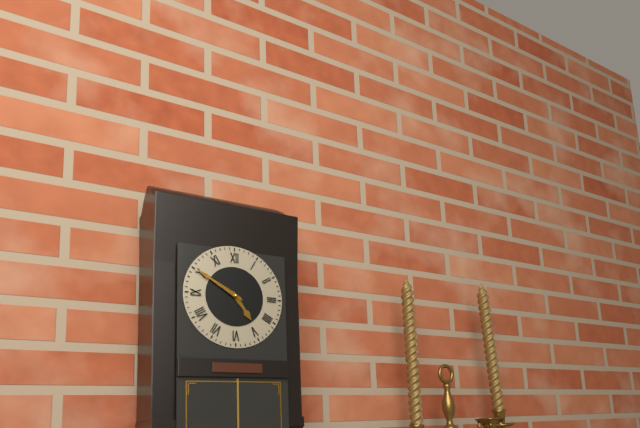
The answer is 4.50
